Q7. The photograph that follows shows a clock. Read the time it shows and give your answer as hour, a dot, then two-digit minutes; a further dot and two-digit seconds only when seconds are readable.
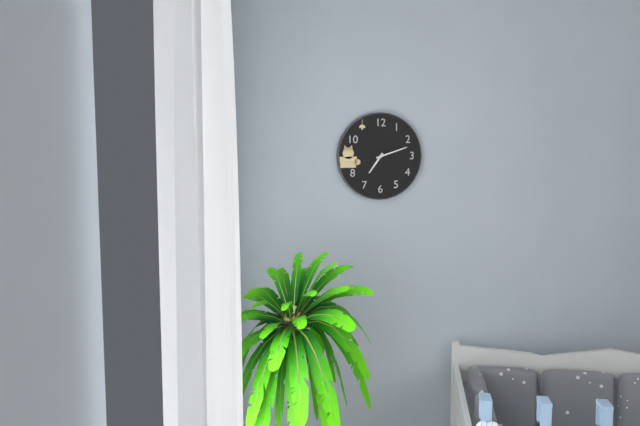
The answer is 7.12
